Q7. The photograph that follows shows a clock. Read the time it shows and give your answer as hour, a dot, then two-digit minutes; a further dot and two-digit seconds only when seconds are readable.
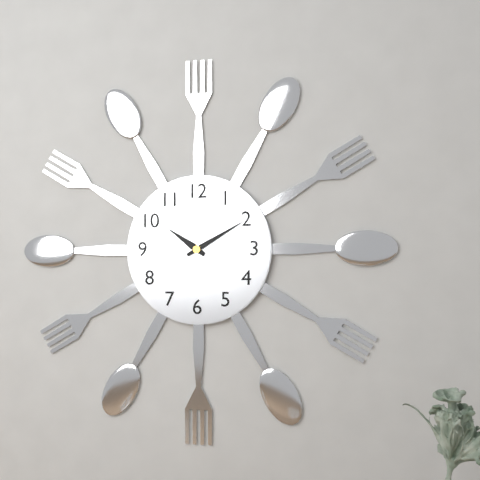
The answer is 10.10
